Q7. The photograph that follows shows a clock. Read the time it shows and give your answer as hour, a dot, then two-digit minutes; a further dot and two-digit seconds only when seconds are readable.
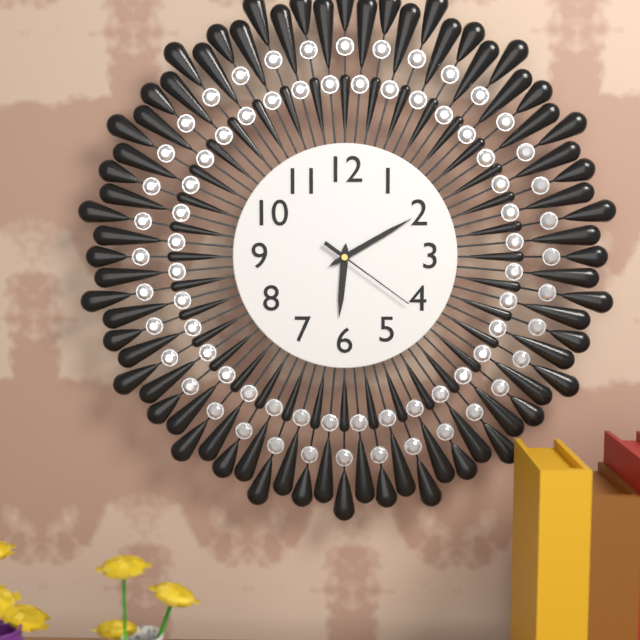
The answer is 6.10.21
